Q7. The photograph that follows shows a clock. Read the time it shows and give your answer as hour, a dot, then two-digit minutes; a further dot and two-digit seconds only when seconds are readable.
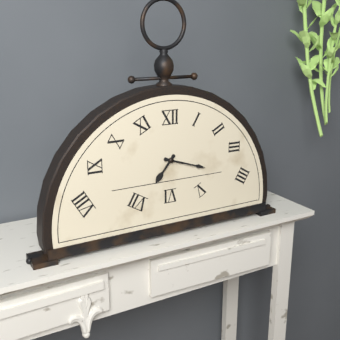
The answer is 7.18
